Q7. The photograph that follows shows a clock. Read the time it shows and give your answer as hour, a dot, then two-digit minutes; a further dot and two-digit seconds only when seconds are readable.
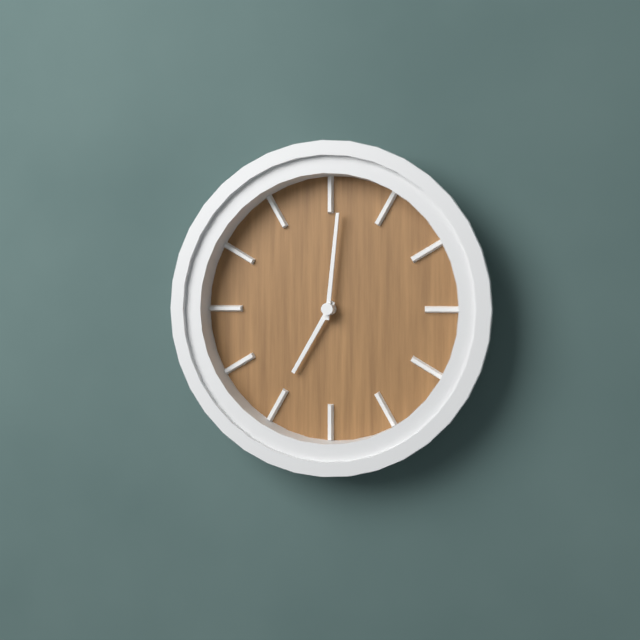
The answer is 7.01
